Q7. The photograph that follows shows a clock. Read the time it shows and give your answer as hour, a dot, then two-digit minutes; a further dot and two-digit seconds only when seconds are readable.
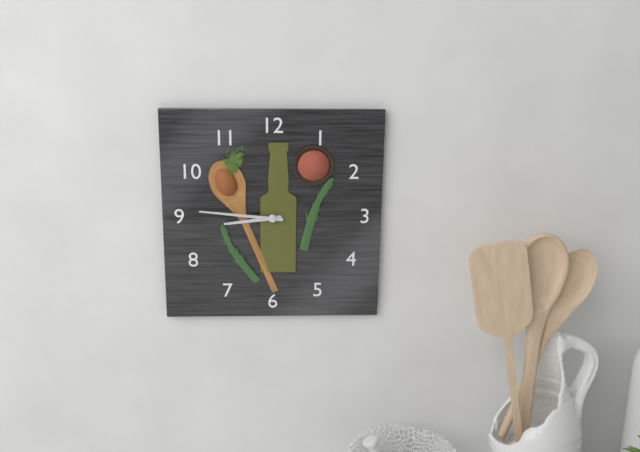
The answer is 8.46
